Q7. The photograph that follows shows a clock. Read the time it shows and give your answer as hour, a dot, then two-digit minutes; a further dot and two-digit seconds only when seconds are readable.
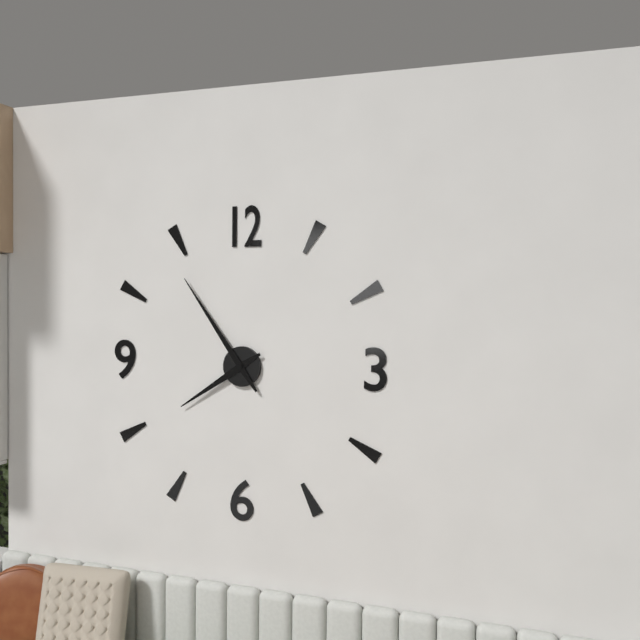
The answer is 7.54
